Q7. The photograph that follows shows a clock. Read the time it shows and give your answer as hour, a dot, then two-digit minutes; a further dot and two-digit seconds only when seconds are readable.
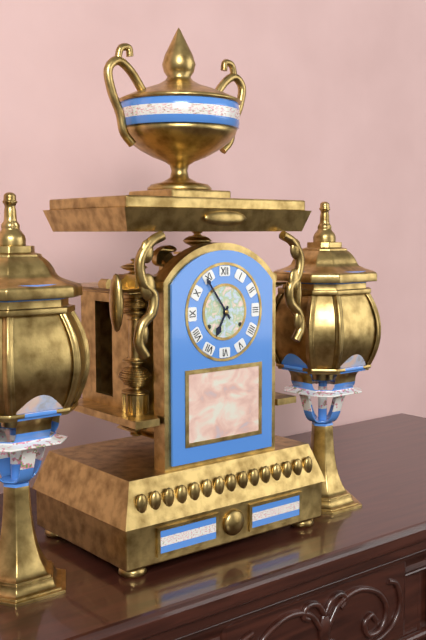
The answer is 6.54
